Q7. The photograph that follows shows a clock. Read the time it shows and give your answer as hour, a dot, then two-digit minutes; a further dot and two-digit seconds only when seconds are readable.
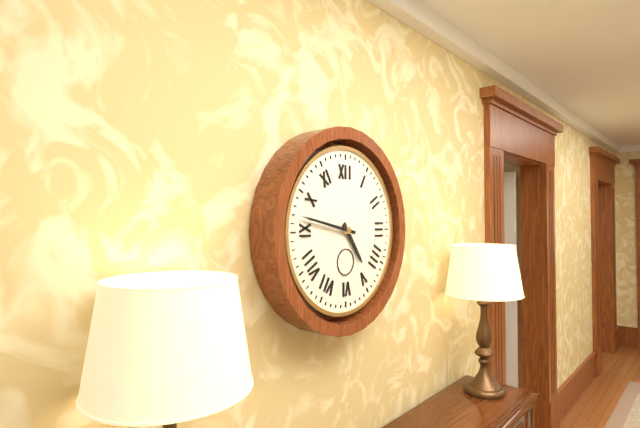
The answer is 4.47
